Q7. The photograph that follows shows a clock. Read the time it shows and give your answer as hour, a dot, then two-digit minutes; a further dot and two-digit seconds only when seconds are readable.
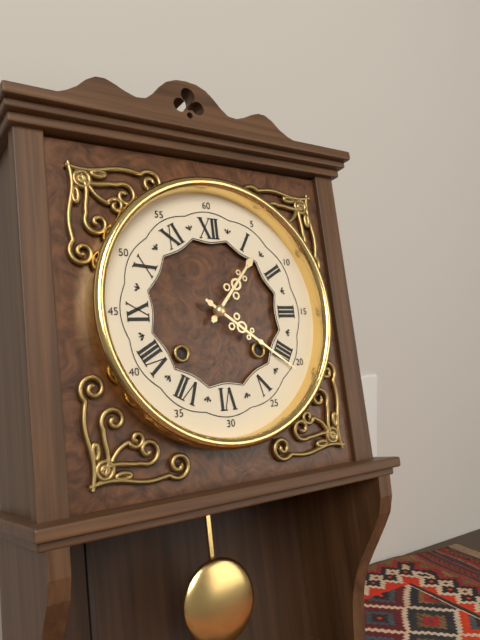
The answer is 1.21
